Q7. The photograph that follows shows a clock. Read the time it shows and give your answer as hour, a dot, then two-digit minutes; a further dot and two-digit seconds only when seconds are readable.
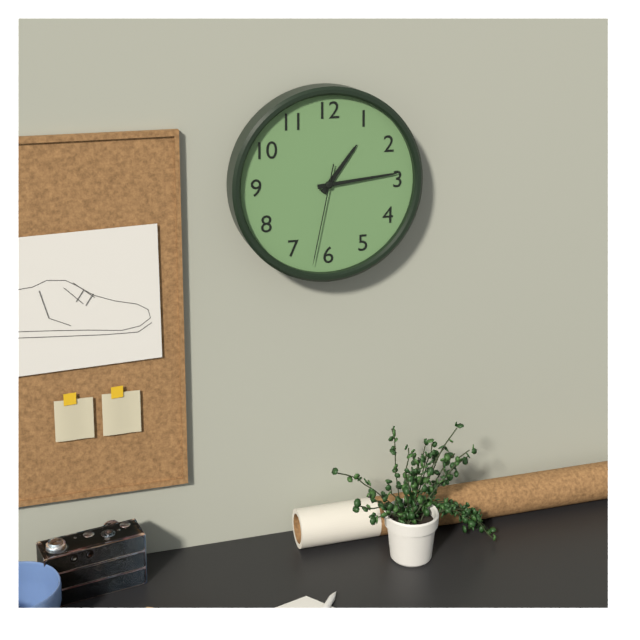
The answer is 1.14.32
